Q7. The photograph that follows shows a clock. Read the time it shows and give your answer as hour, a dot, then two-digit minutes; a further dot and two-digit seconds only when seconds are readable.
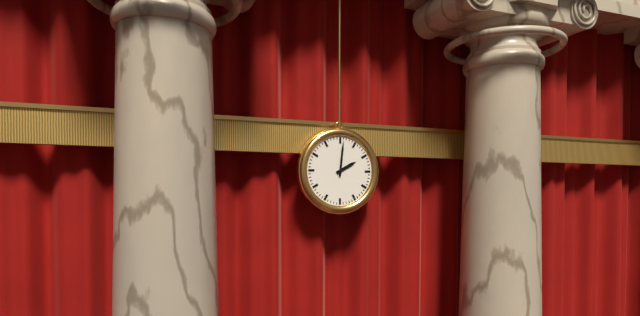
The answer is 2.01
